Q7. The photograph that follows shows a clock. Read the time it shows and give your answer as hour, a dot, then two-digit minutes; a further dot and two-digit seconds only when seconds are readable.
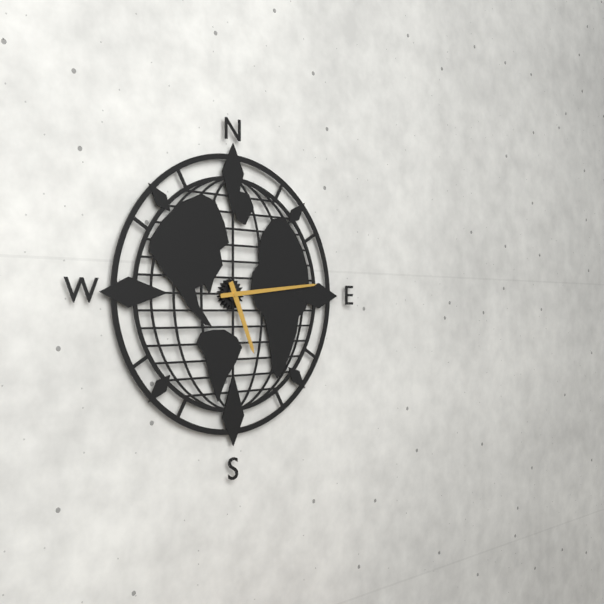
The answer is 5.14
